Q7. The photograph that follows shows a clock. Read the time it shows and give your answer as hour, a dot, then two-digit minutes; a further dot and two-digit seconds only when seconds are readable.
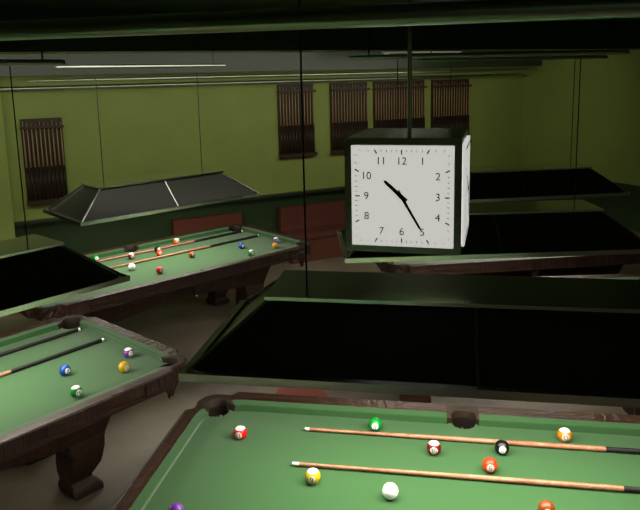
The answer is 10.25
